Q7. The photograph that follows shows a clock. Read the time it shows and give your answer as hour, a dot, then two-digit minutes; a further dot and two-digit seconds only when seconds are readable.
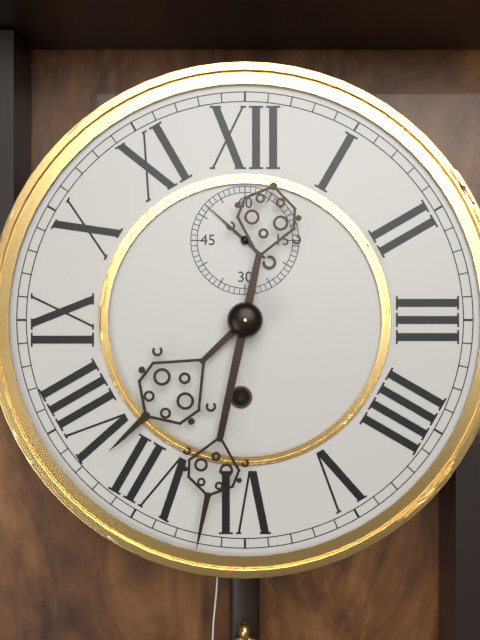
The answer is 7.32.52
